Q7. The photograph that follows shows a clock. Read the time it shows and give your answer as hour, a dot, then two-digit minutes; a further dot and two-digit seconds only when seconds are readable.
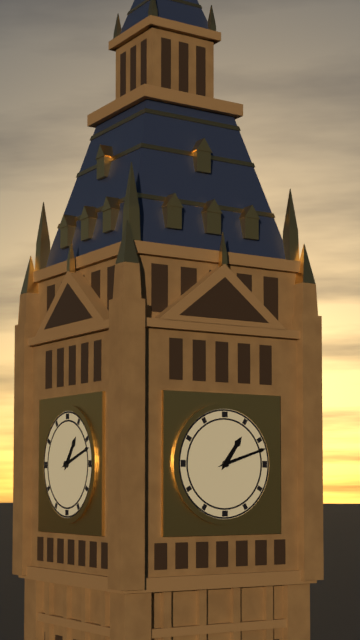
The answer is 1.12
